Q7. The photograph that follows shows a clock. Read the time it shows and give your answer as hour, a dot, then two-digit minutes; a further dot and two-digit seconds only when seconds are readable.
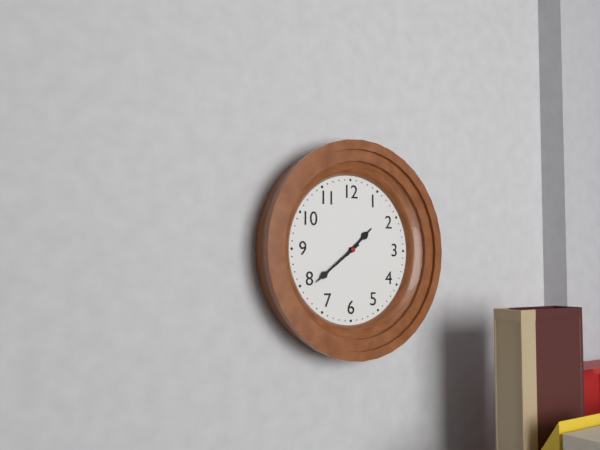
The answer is 1.39
